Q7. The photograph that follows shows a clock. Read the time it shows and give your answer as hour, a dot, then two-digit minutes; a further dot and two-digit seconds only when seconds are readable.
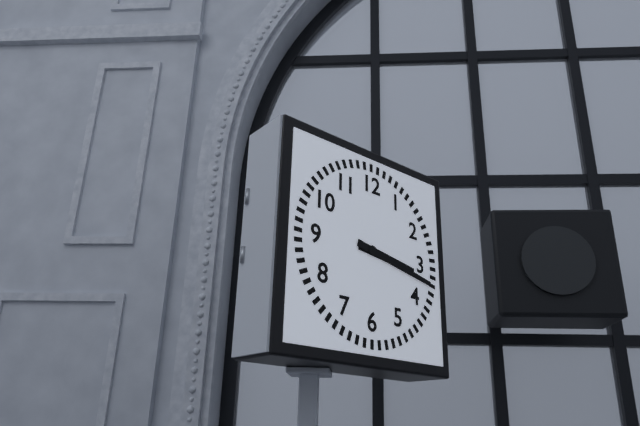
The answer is 3.17
